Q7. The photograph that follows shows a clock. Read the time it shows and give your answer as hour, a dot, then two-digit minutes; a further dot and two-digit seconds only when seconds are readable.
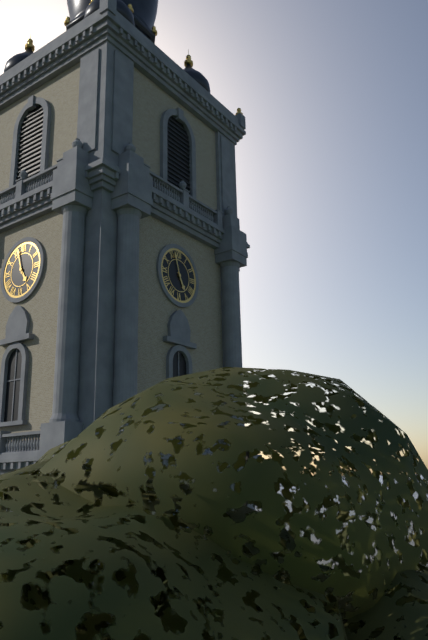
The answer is 4.57
